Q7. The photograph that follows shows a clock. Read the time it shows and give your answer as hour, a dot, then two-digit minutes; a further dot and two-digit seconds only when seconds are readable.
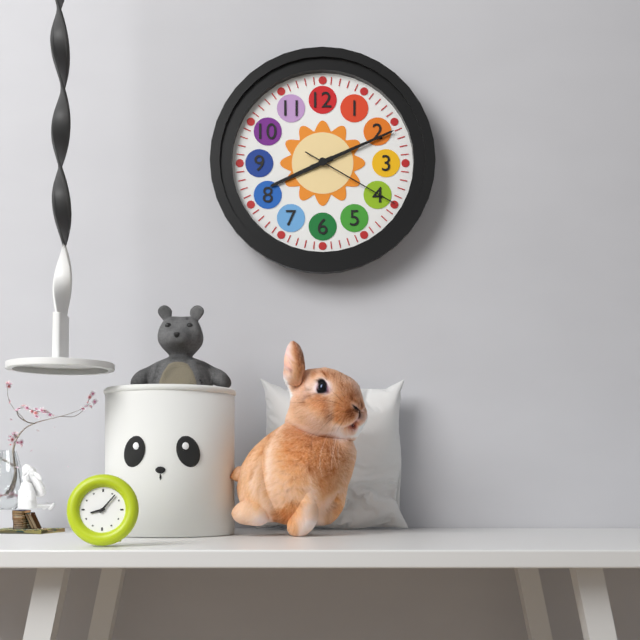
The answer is 8.11.20
